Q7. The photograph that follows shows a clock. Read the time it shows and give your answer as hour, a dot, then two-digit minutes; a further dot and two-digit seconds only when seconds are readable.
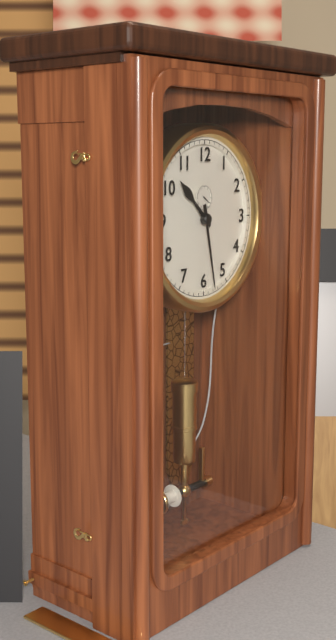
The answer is 10.28
